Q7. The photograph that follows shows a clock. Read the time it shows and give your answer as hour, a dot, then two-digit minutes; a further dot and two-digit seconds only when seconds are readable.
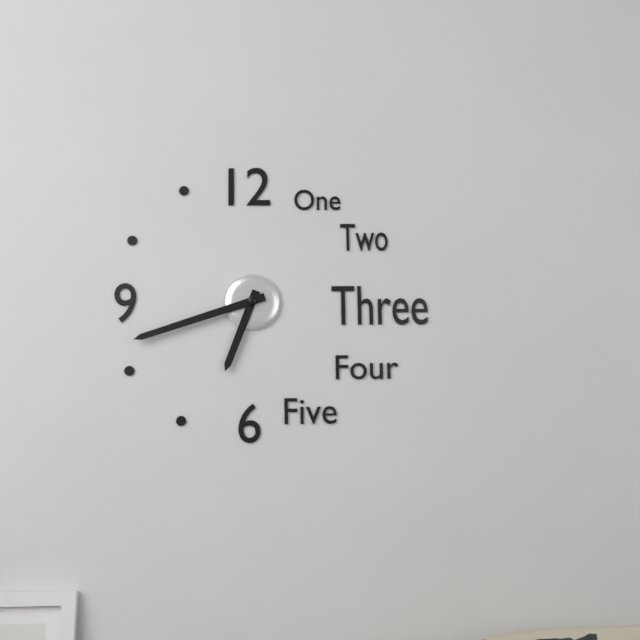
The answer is 6.42
